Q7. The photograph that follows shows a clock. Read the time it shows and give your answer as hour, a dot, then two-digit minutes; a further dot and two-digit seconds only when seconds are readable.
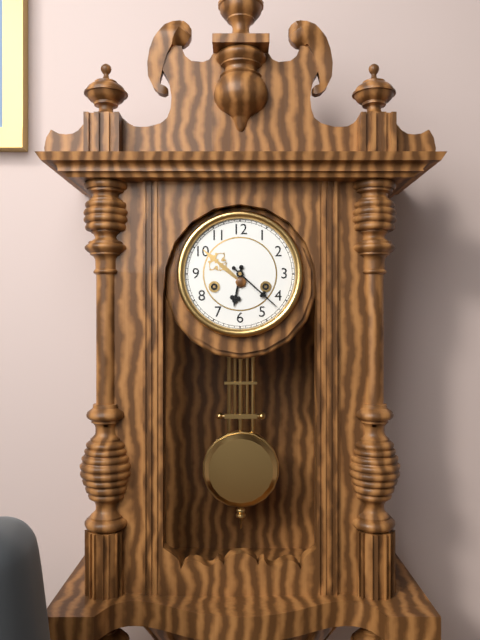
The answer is 6.22
